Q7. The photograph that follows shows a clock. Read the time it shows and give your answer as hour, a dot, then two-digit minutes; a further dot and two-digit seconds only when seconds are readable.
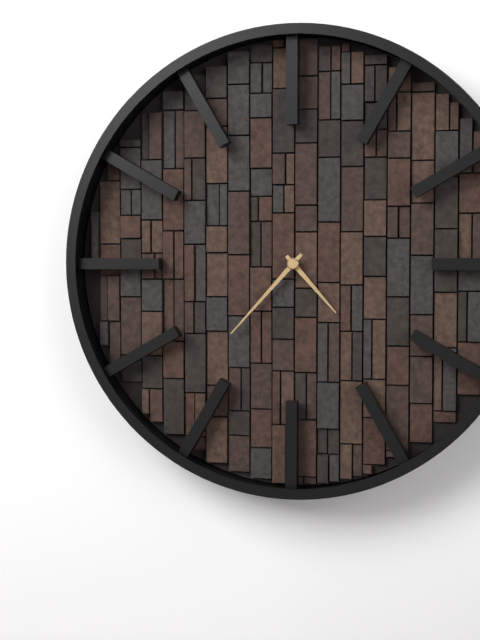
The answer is 4.37
